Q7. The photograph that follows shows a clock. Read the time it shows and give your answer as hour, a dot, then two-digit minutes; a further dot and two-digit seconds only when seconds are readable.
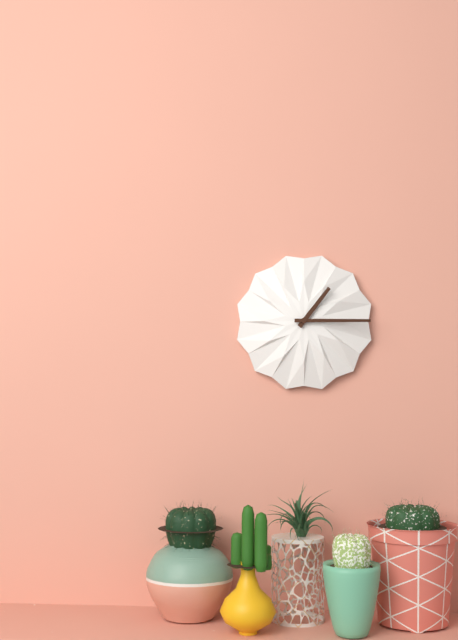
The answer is 1.15
